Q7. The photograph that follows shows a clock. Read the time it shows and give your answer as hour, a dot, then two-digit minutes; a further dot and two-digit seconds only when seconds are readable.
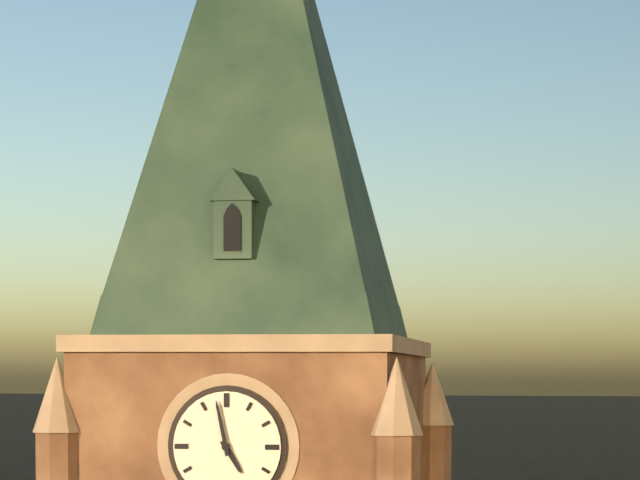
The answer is 4.58
